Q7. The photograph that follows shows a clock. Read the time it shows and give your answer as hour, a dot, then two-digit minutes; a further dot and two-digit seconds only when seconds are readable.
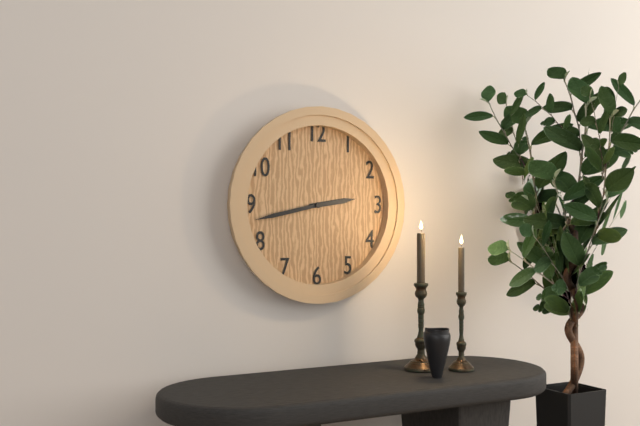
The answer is 2.43
